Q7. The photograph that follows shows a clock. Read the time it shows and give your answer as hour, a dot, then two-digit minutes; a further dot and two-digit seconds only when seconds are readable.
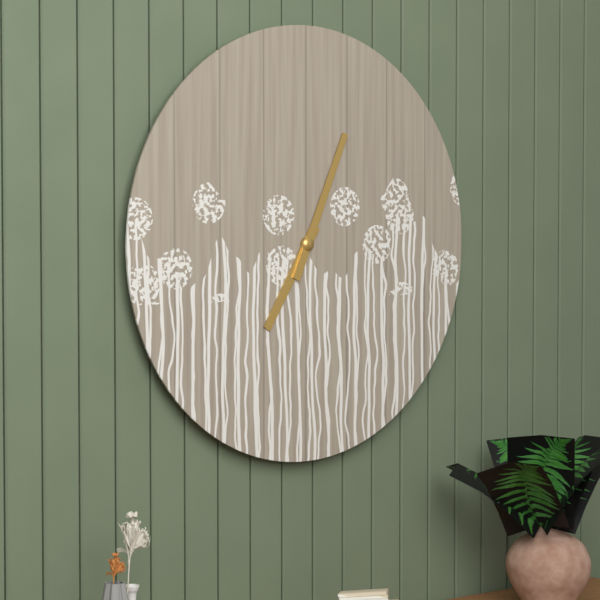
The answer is 7.04
